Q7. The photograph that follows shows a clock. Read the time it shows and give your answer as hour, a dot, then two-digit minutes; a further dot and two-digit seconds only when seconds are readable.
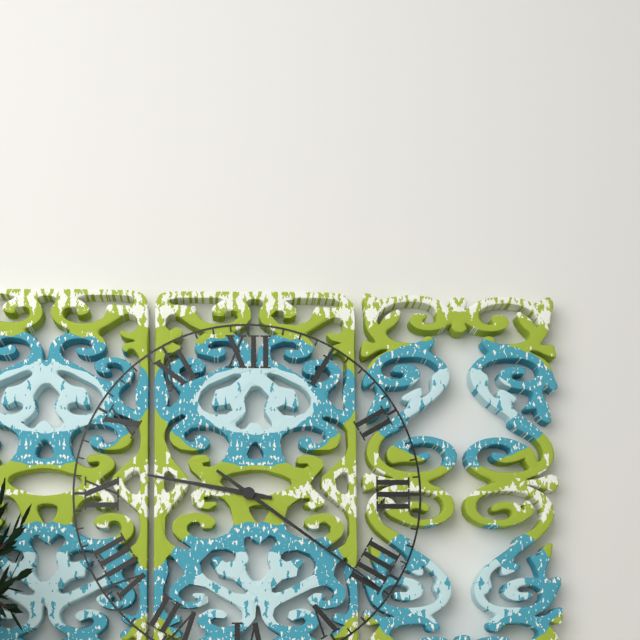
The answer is 9.21
